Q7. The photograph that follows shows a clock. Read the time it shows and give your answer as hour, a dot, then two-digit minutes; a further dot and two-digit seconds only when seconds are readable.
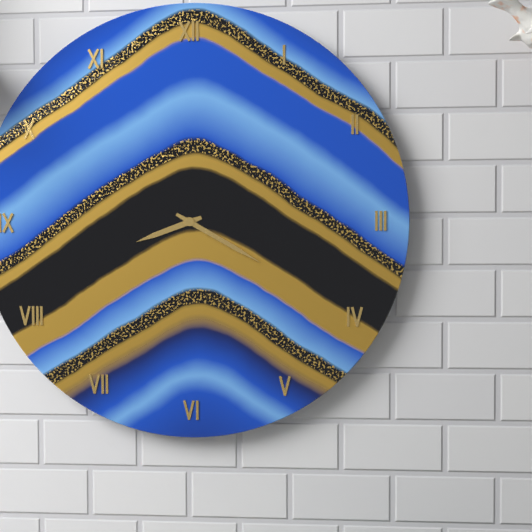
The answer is 8.20
